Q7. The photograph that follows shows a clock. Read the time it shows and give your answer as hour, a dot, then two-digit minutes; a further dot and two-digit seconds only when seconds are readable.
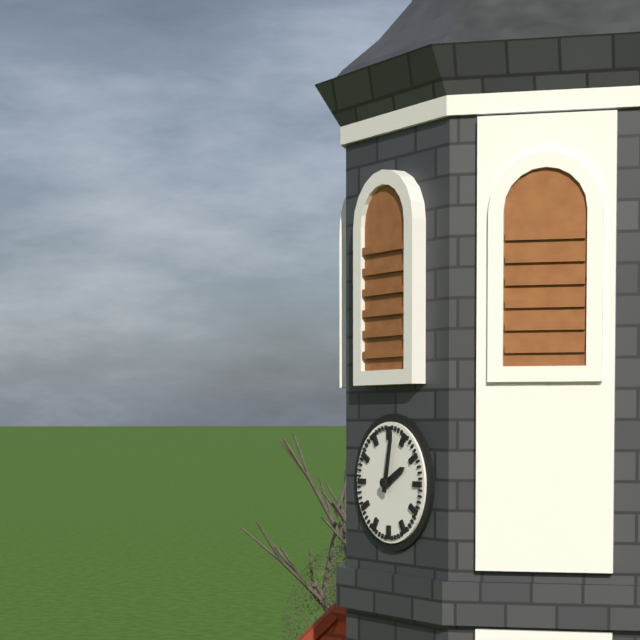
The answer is 2.02
